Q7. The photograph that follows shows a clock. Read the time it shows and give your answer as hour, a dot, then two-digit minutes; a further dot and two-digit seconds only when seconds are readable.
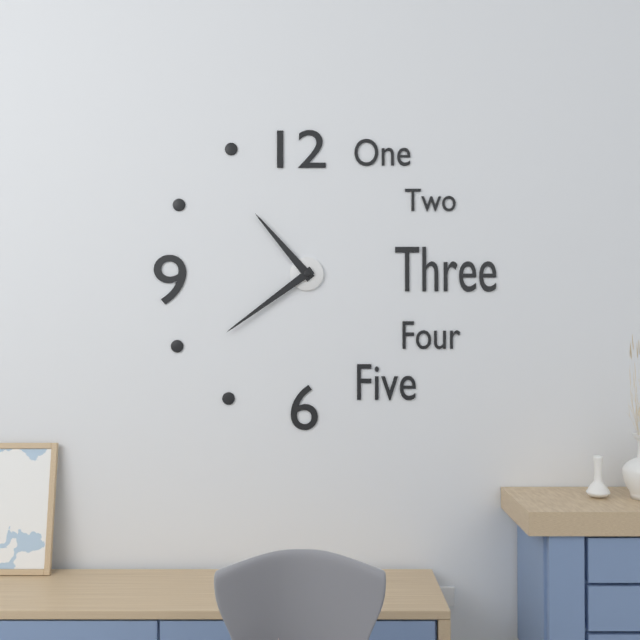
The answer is 10.39
